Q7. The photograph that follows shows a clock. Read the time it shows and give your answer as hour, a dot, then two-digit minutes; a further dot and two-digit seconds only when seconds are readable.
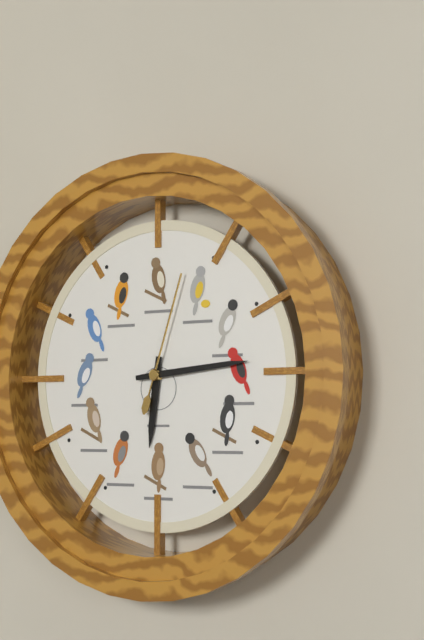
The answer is 6.14.03
